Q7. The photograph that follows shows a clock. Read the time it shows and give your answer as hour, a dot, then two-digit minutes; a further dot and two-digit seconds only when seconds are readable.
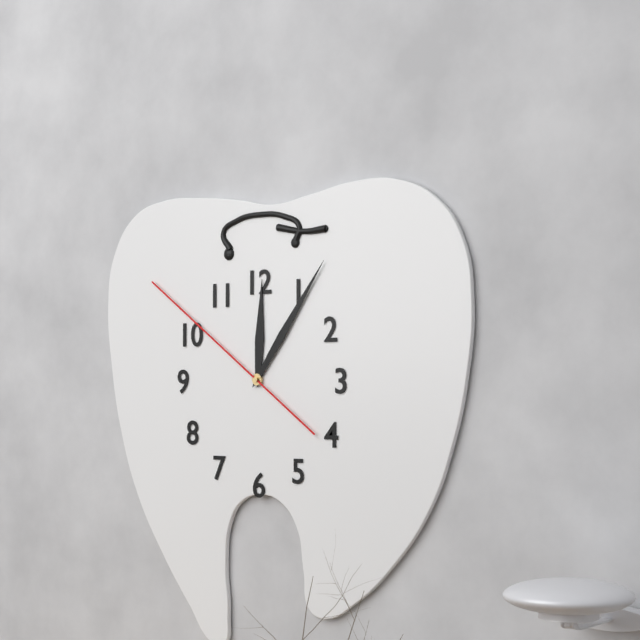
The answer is 12.06.51
